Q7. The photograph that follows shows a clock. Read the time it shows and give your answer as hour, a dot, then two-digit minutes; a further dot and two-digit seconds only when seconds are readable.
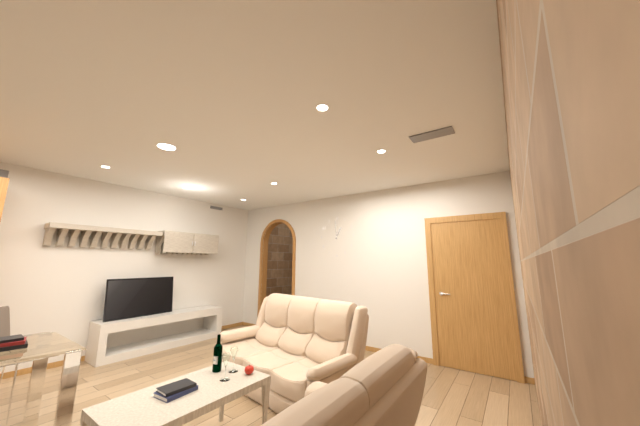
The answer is 12.59
